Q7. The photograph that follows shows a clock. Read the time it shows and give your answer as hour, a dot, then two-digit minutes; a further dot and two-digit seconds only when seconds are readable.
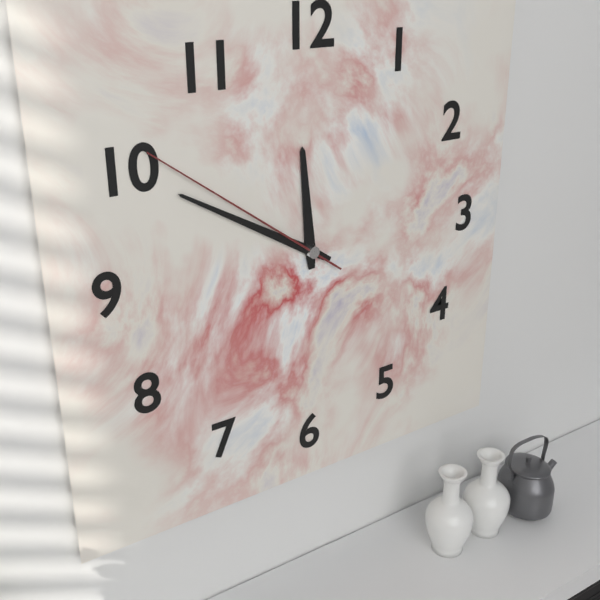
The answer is 11.50.51
